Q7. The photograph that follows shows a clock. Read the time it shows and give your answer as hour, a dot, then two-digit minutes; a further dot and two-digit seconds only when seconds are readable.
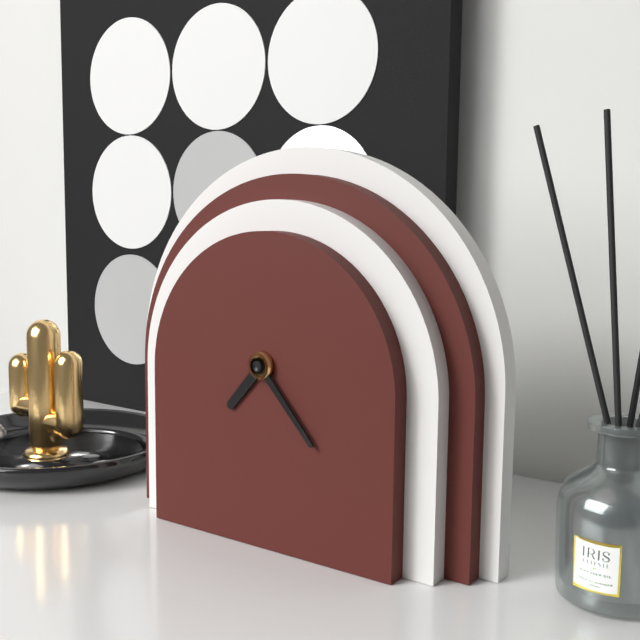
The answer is 7.23
